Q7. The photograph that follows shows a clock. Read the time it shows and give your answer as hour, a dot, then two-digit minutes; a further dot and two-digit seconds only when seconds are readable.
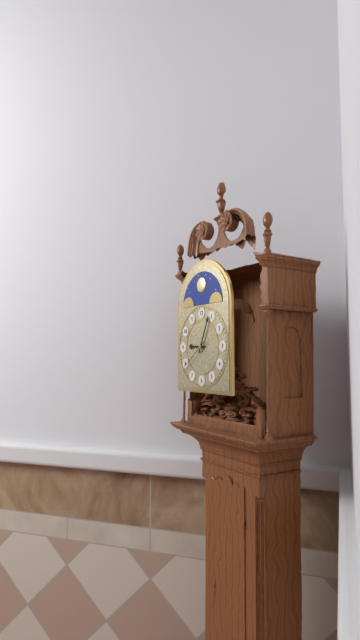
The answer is 9.04
